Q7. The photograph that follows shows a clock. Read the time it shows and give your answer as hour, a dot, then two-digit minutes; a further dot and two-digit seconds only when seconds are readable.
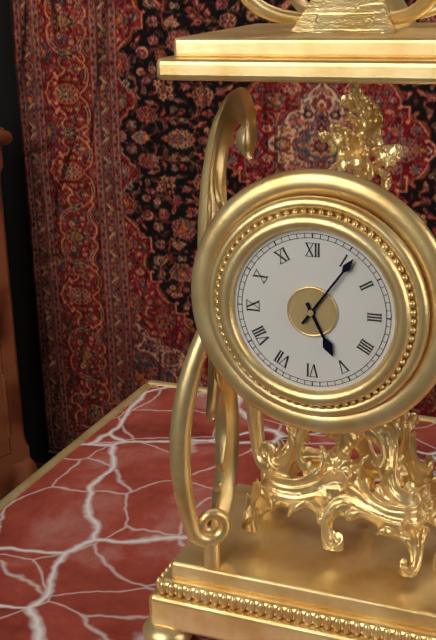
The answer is 5.06
